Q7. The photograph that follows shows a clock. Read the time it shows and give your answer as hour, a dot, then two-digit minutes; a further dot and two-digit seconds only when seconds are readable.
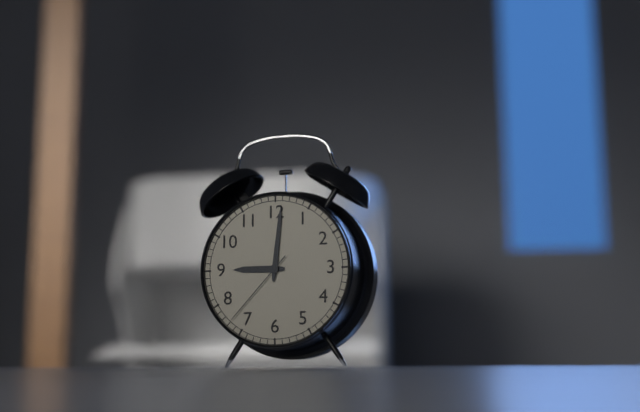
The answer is 9.01.37
